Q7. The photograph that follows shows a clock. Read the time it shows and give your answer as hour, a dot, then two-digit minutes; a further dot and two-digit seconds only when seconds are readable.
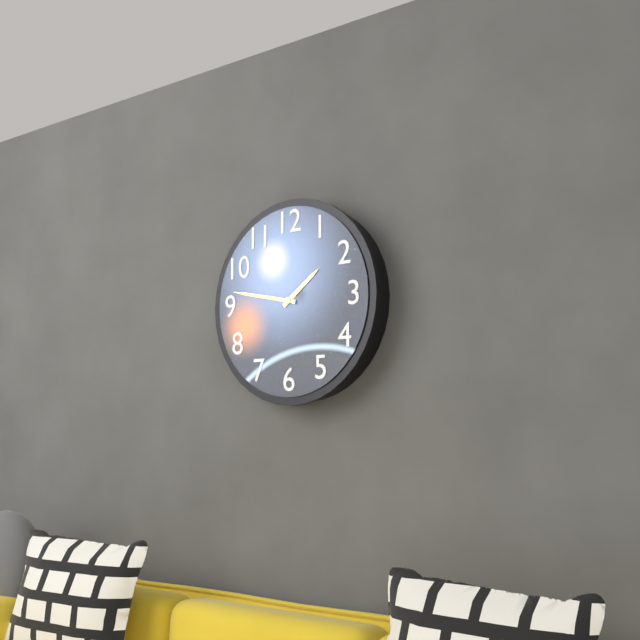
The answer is 1.47
